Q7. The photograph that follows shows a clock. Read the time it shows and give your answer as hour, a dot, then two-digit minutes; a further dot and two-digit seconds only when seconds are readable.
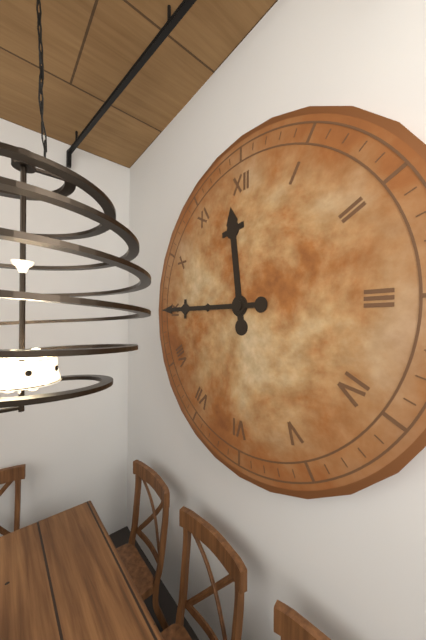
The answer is 11.45
